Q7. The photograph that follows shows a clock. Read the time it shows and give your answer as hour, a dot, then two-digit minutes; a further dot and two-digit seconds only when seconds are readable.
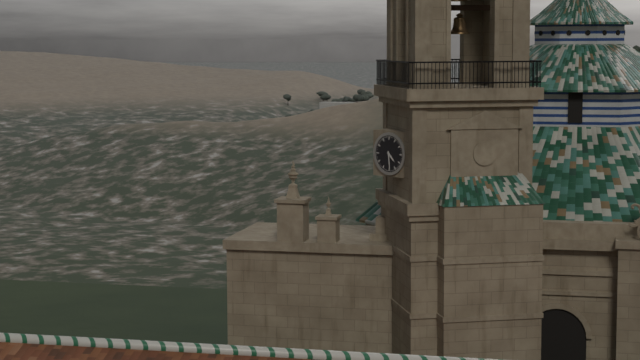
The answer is 4.29
